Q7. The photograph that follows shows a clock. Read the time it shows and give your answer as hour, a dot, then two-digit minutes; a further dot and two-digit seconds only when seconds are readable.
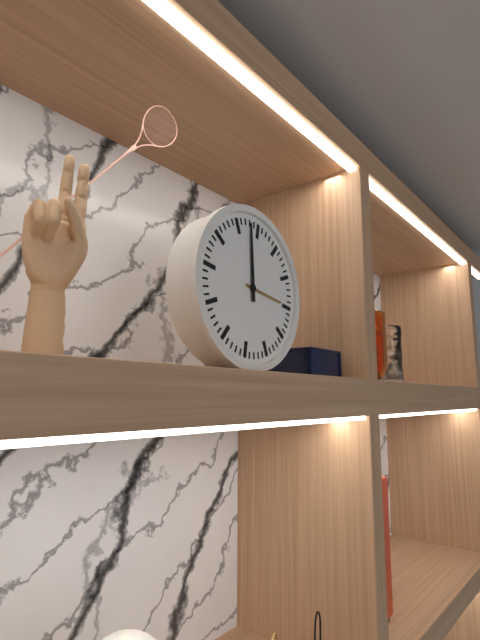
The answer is 2.58
